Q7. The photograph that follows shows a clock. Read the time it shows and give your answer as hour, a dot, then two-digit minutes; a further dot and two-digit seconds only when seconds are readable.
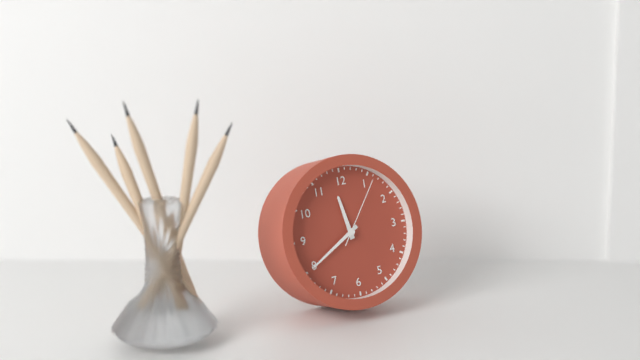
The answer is 11.40.06
